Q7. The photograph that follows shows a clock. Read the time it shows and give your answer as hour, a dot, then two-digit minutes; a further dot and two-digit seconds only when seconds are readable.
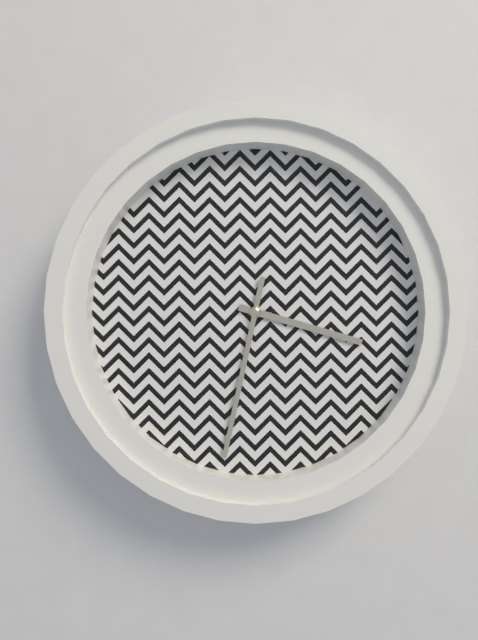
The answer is 3.32
